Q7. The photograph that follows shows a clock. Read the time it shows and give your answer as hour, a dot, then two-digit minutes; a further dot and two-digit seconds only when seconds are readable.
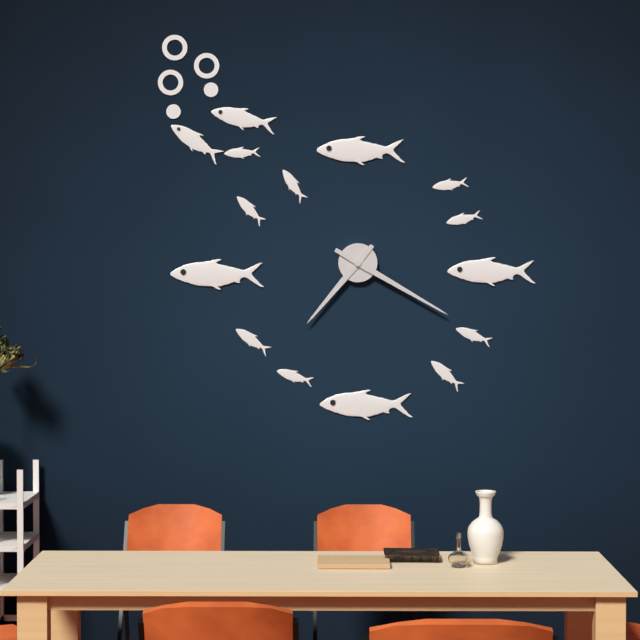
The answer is 7.20
